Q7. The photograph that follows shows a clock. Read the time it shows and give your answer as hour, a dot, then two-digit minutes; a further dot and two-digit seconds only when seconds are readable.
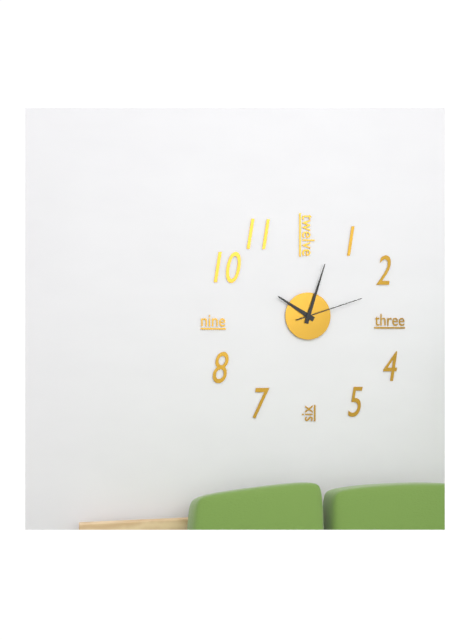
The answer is 10.03.12
